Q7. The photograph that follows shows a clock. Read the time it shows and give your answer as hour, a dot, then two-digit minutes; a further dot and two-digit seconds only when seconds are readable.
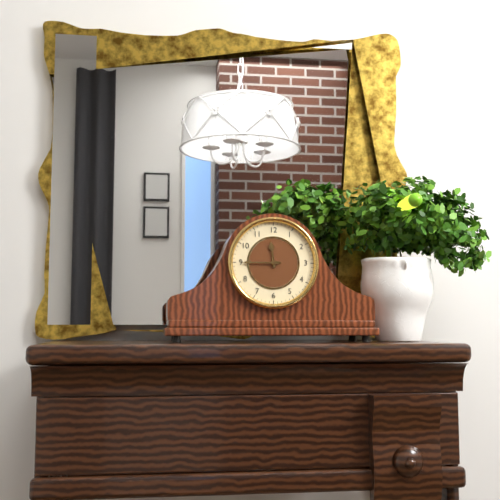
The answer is 11.45
